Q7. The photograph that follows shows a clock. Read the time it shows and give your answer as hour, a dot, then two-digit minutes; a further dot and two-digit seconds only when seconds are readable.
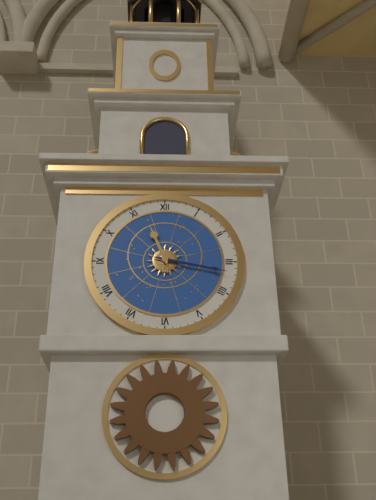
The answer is 11.17
